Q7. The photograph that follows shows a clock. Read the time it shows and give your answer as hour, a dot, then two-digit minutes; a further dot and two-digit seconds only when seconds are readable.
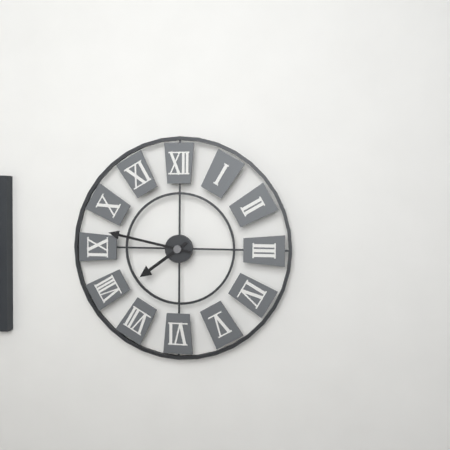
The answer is 7.47
